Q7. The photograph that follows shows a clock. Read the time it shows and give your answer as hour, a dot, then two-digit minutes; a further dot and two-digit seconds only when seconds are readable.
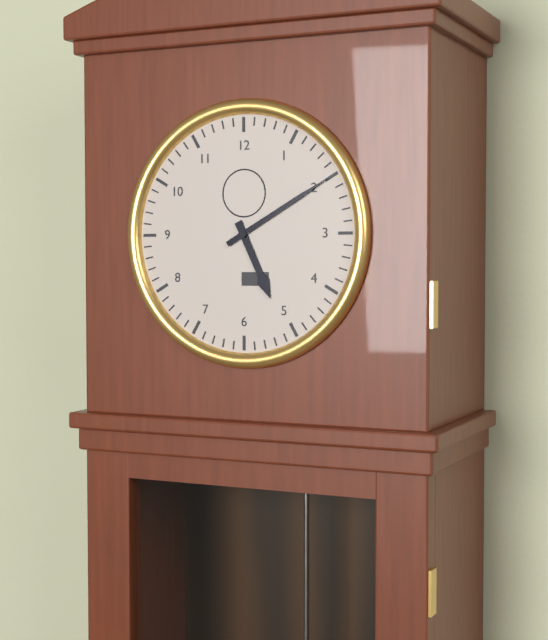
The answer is 5.10
